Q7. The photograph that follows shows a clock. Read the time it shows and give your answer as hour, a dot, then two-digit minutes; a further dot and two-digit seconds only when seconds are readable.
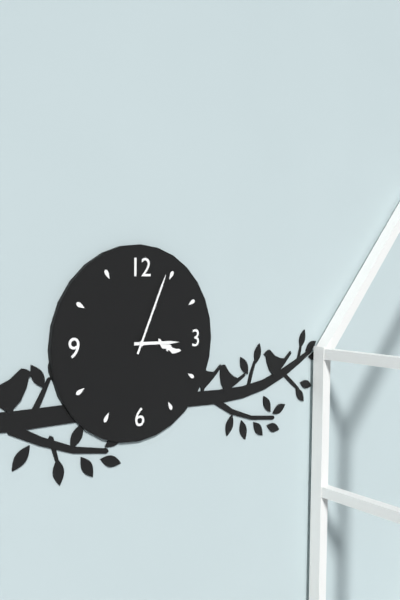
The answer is 3.04
